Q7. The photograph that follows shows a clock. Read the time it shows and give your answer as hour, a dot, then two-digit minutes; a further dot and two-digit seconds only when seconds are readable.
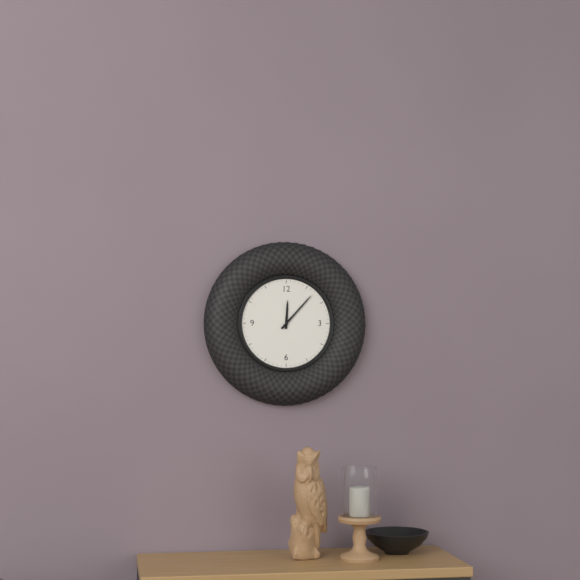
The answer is 12.07
